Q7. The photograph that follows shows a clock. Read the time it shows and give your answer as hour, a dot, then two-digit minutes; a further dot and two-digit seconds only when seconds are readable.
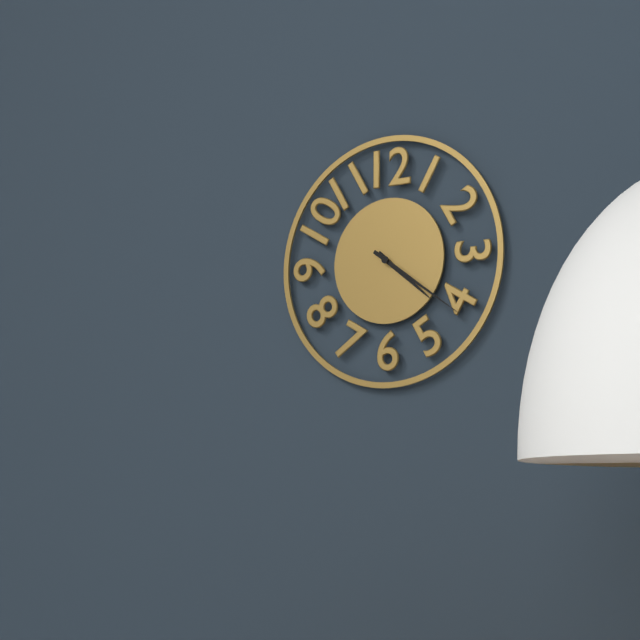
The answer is 4.21
